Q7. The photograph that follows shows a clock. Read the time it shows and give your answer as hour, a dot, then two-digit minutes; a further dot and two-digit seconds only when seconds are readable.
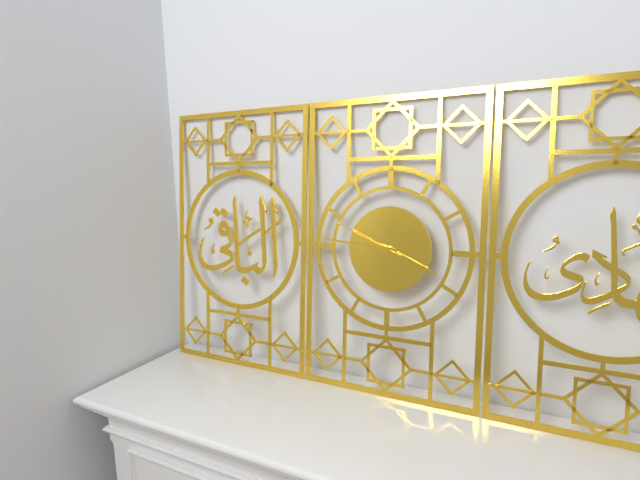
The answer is 3.46.49
